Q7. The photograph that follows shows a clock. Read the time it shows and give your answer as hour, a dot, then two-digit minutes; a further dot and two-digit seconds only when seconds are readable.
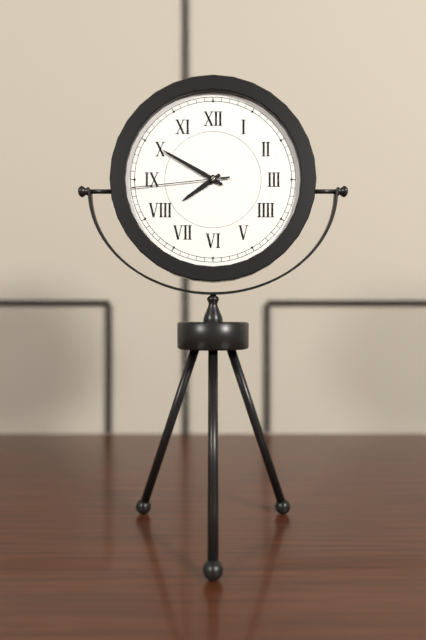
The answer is 7.50.44
